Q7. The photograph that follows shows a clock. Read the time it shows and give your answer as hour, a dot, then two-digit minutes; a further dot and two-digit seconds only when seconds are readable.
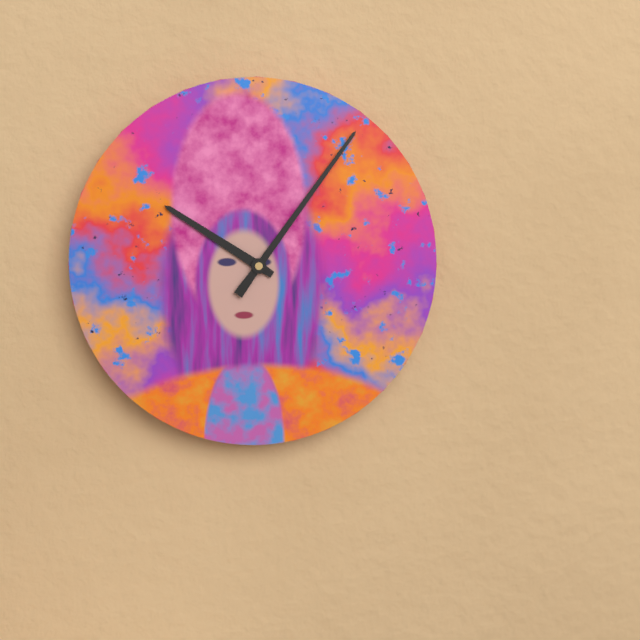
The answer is 10.06
